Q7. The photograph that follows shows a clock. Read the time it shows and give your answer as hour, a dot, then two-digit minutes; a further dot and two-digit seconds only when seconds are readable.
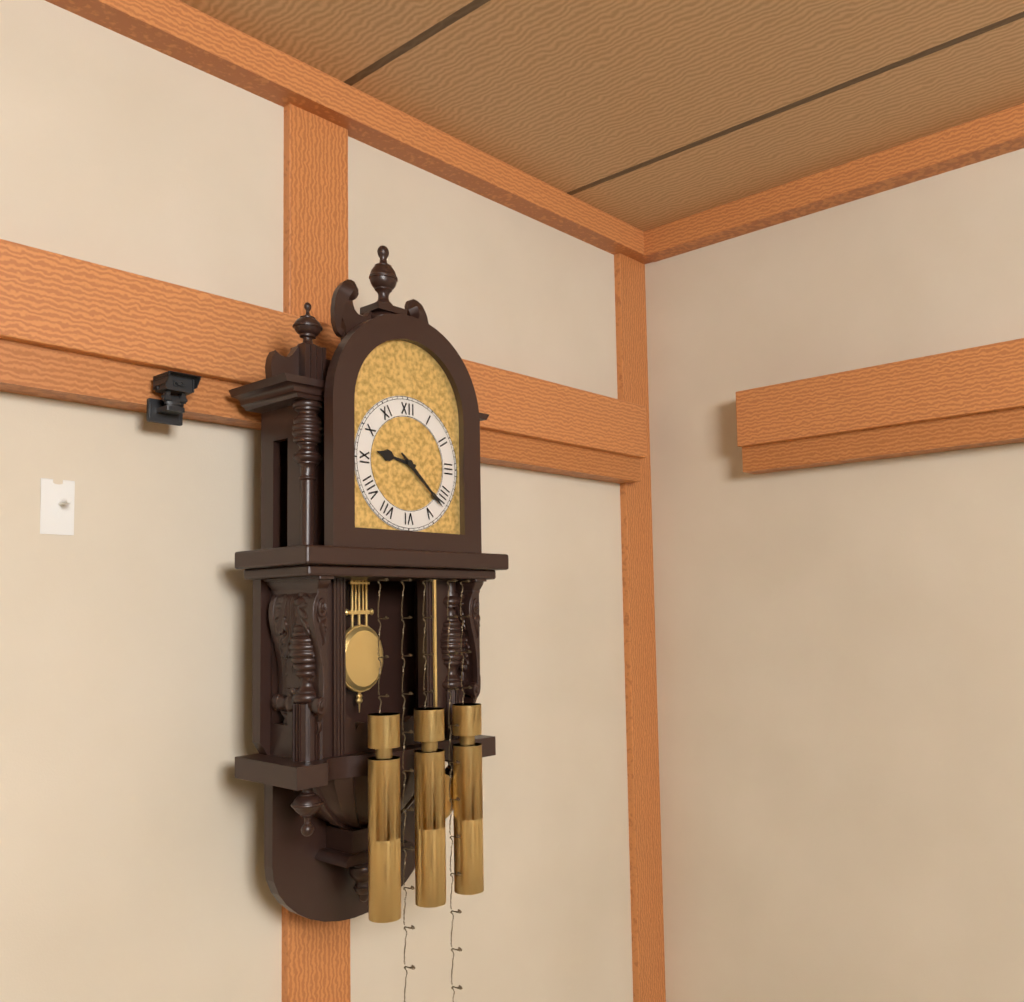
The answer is 9.22
